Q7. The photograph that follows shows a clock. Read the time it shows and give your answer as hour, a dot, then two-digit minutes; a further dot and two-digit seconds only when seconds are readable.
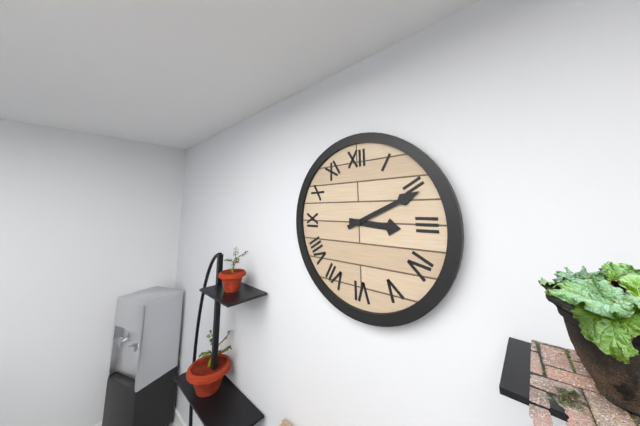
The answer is 3.11
